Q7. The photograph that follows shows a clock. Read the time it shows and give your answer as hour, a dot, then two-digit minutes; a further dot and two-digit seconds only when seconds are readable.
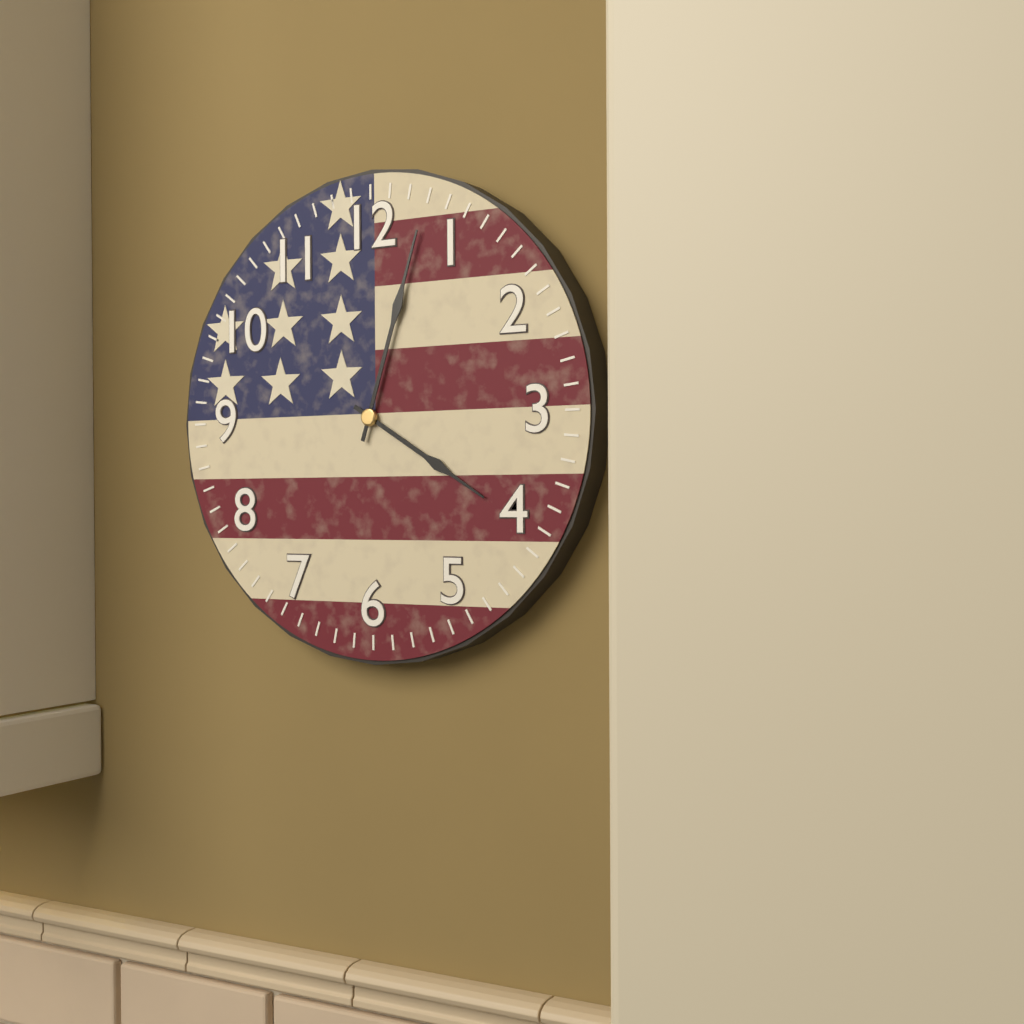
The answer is 4.03
